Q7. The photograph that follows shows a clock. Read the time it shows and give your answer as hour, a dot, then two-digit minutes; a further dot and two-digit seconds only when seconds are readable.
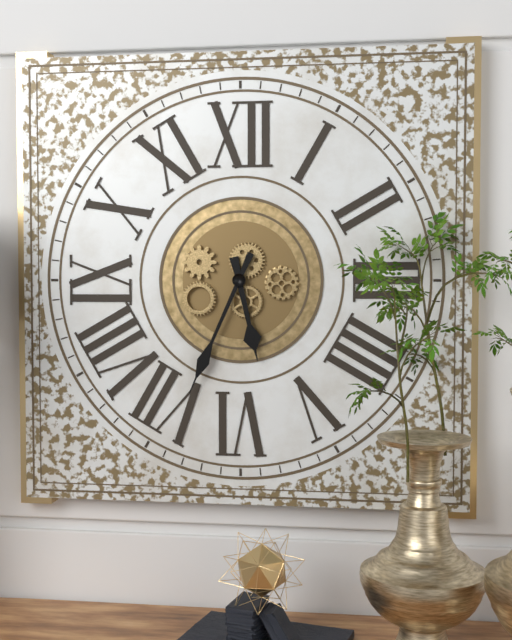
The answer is 5.34
